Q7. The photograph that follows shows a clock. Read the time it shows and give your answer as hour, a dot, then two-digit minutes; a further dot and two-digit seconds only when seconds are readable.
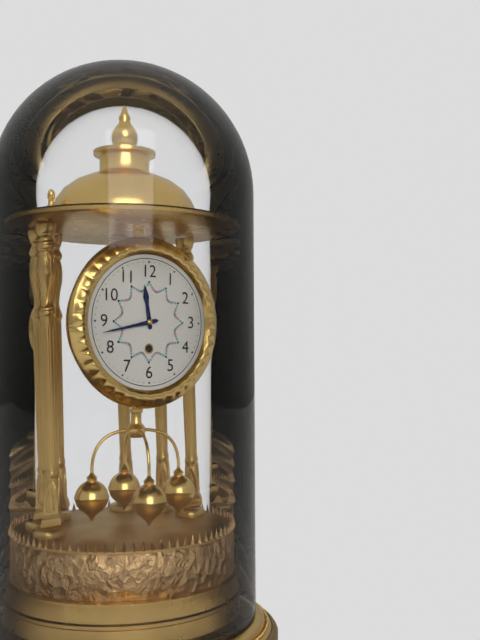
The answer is 11.43
